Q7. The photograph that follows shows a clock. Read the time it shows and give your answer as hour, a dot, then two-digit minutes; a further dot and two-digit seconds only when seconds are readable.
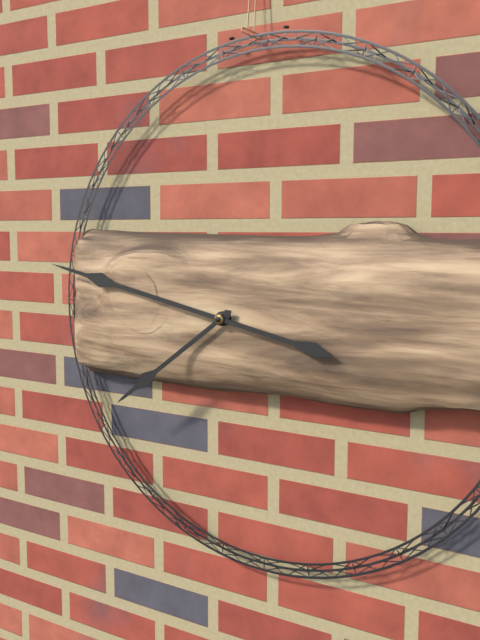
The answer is 7.47
